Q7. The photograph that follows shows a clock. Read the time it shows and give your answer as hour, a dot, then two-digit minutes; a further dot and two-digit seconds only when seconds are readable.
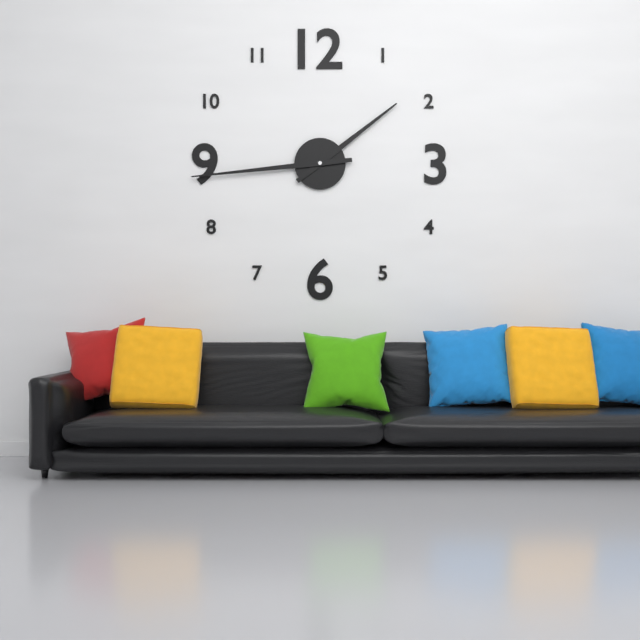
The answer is 1.44
